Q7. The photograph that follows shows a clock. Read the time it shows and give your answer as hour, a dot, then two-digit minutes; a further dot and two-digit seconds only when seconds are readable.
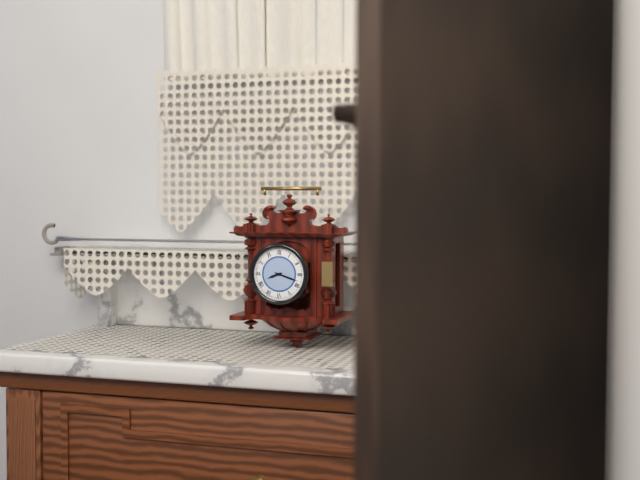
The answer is 8.18
